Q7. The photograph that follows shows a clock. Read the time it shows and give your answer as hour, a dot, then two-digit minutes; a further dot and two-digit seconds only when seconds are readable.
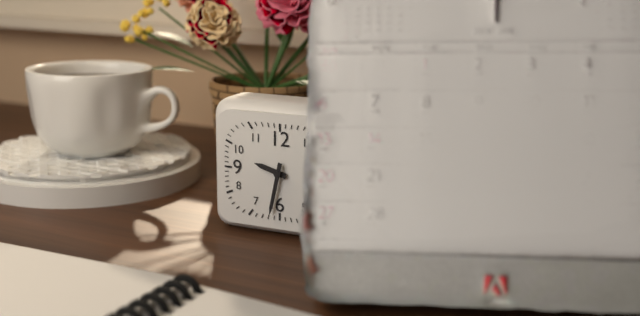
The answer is 9.32
